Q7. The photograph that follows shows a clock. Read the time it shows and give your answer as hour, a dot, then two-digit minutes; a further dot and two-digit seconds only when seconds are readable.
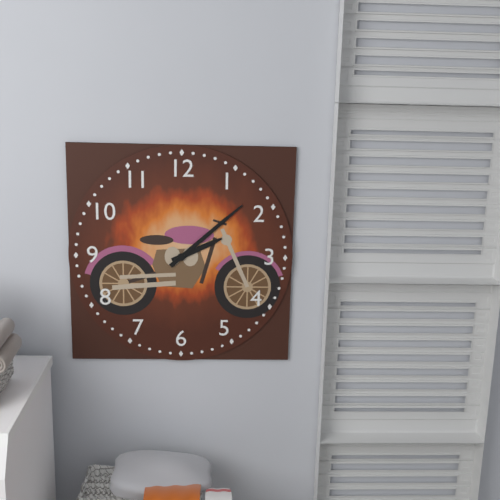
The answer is 2.08
